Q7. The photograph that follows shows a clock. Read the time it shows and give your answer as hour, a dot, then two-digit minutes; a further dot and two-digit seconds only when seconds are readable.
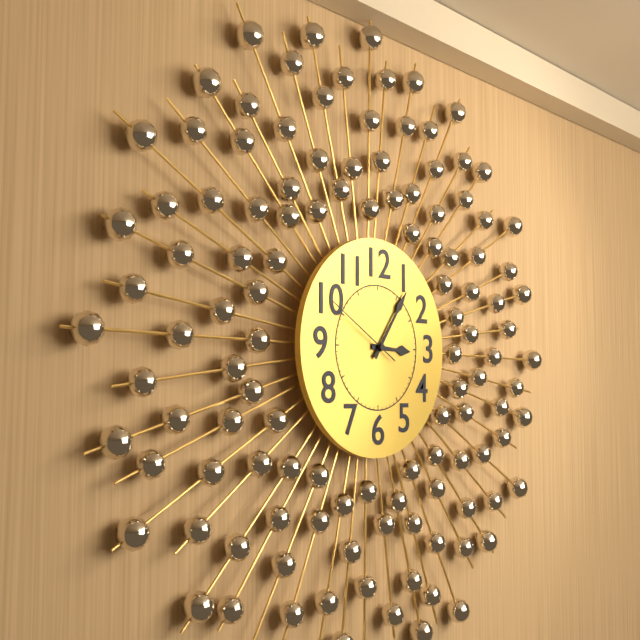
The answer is 3.06.50
